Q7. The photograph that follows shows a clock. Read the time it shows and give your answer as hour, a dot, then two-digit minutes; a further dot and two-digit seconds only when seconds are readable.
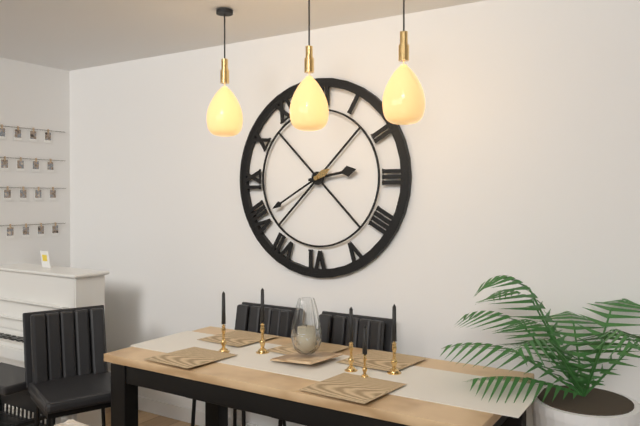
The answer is 2.40
